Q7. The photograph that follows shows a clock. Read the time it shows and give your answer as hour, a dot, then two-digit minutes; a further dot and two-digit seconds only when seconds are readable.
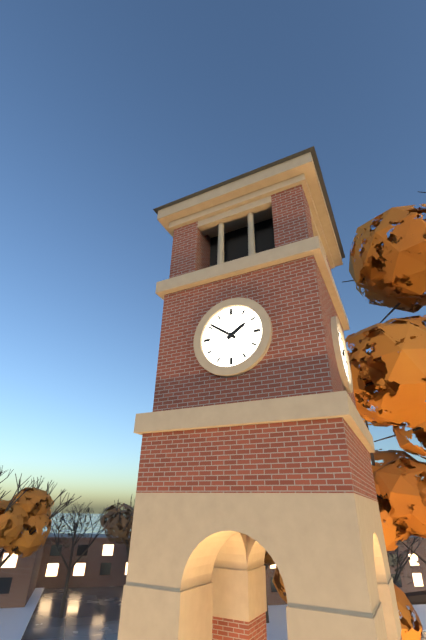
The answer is 1.51
